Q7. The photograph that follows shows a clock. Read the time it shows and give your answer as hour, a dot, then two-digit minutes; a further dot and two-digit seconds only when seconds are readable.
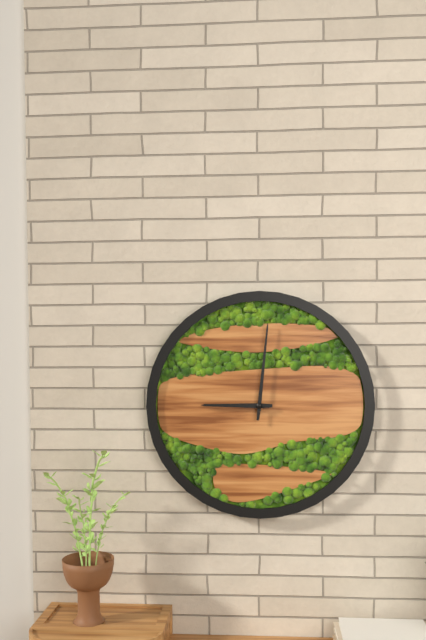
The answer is 9.01
